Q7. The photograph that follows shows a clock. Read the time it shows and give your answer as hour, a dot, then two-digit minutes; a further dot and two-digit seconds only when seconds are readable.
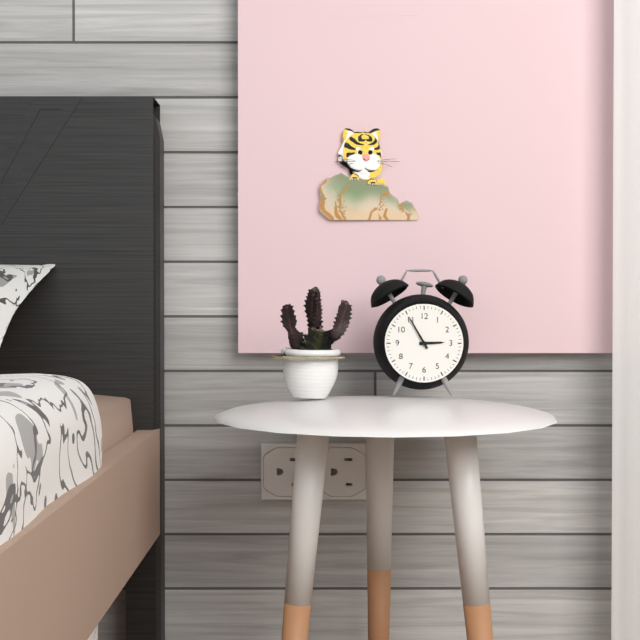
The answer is 2.55
